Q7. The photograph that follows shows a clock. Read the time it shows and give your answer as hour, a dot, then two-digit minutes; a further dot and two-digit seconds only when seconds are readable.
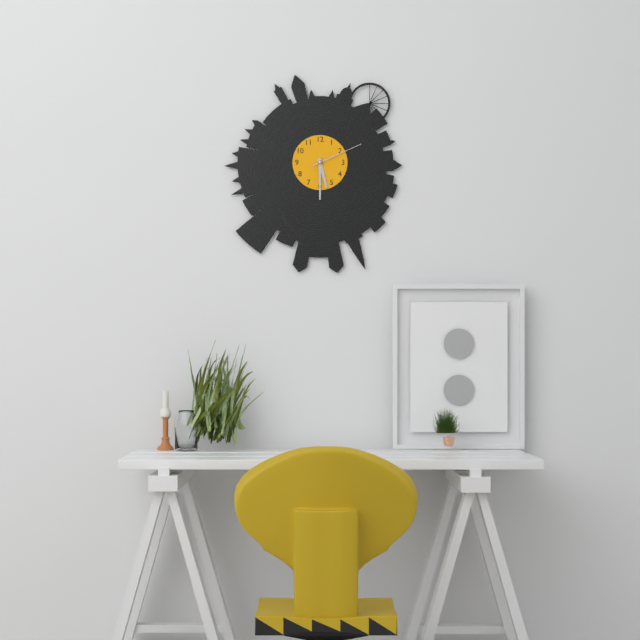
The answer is 5.30.11
